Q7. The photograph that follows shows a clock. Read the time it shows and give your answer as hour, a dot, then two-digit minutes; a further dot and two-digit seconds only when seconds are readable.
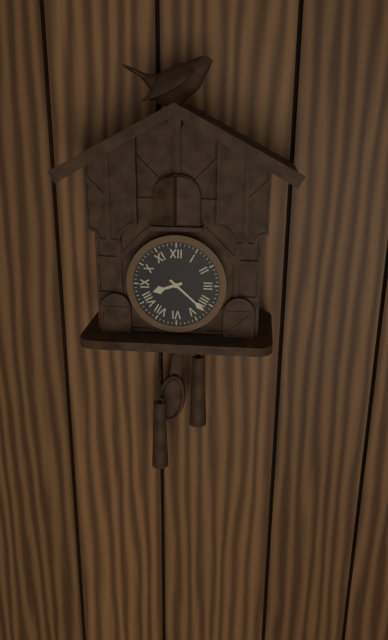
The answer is 8.22
